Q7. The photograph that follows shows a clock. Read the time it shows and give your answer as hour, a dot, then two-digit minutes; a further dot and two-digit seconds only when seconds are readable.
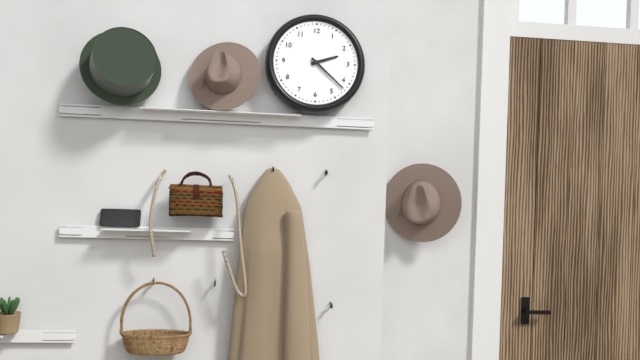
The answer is 2.22
